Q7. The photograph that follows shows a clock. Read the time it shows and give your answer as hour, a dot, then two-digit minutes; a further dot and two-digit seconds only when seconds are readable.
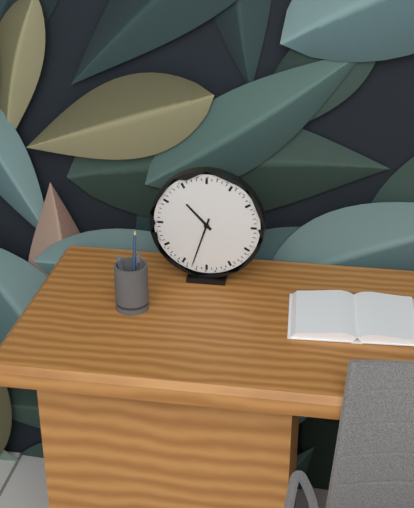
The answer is 10.33
